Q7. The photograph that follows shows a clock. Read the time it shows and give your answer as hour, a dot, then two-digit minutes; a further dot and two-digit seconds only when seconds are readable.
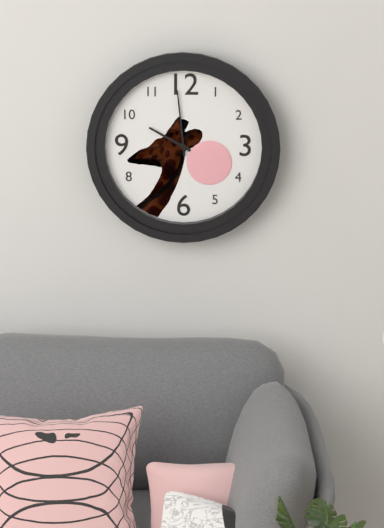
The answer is 9.59
